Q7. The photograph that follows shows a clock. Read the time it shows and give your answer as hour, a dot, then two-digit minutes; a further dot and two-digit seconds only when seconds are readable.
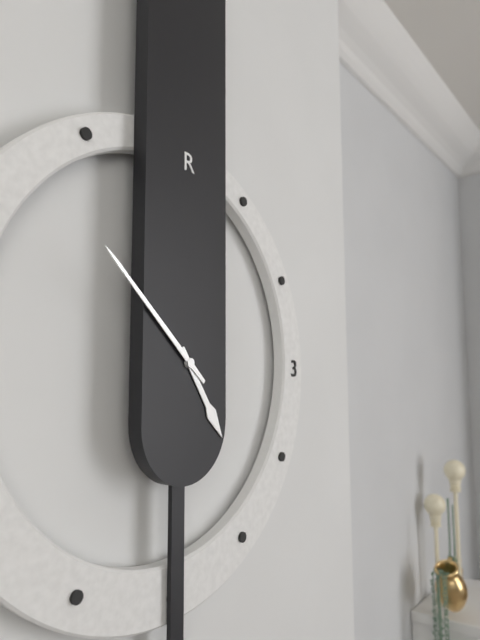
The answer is 4.52
